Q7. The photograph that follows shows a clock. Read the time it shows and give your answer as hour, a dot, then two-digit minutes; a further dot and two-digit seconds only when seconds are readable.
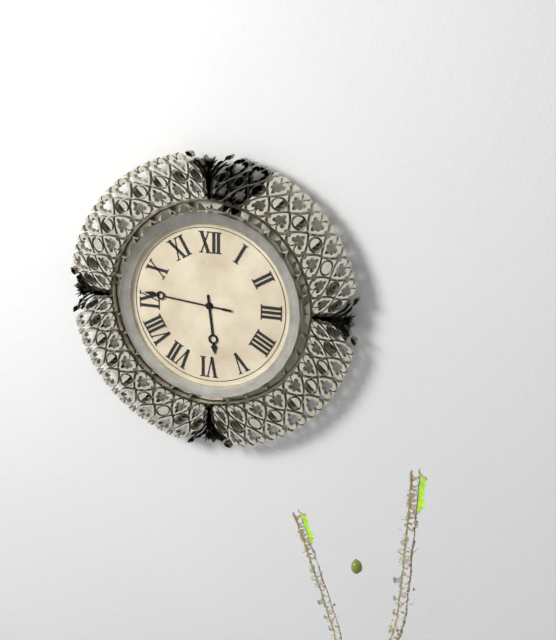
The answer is 5.46
